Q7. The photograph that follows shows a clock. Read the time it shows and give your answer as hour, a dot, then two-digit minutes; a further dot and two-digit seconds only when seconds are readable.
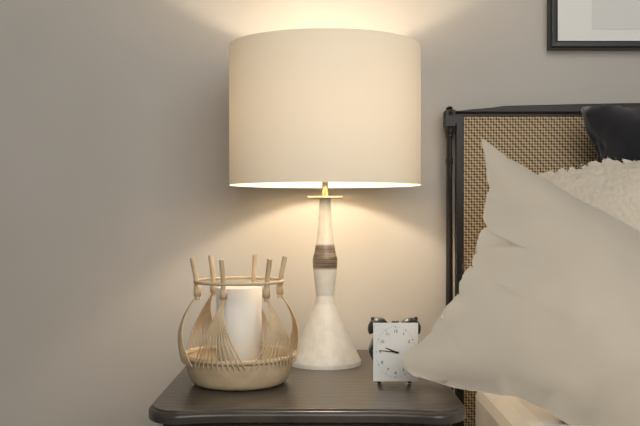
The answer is 9.46
